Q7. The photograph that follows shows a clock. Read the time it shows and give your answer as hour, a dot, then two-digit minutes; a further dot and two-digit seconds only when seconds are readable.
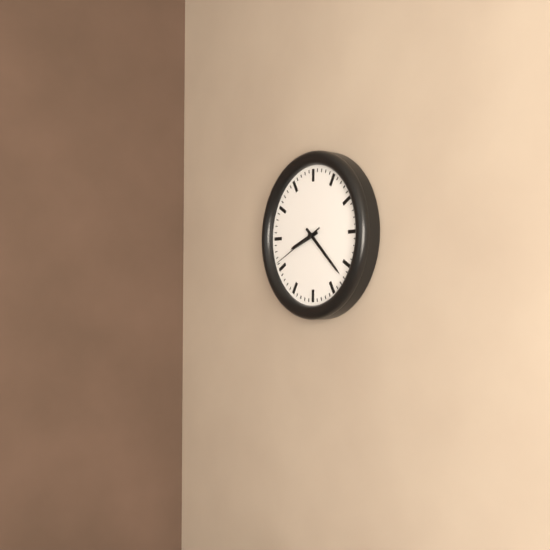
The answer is 8.22.41
